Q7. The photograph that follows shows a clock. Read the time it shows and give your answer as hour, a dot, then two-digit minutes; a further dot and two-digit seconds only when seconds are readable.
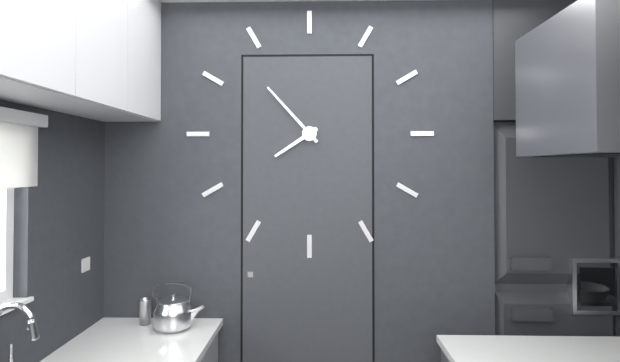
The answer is 7.53
